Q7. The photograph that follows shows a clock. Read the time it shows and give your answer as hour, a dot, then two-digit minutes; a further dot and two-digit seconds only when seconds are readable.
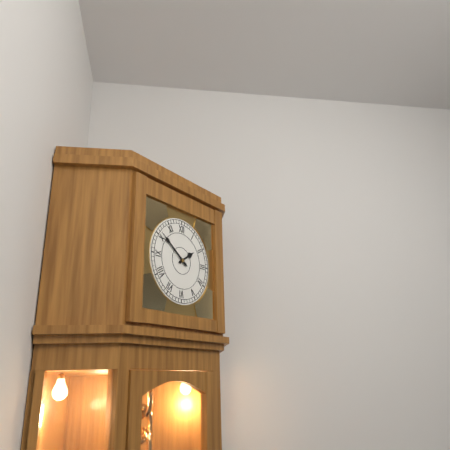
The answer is 1.51
